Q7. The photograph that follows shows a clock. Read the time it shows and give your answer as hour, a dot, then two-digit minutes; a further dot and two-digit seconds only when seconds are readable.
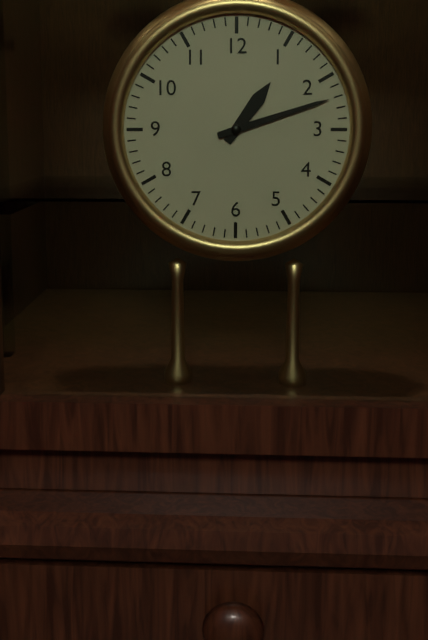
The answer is 1.12
